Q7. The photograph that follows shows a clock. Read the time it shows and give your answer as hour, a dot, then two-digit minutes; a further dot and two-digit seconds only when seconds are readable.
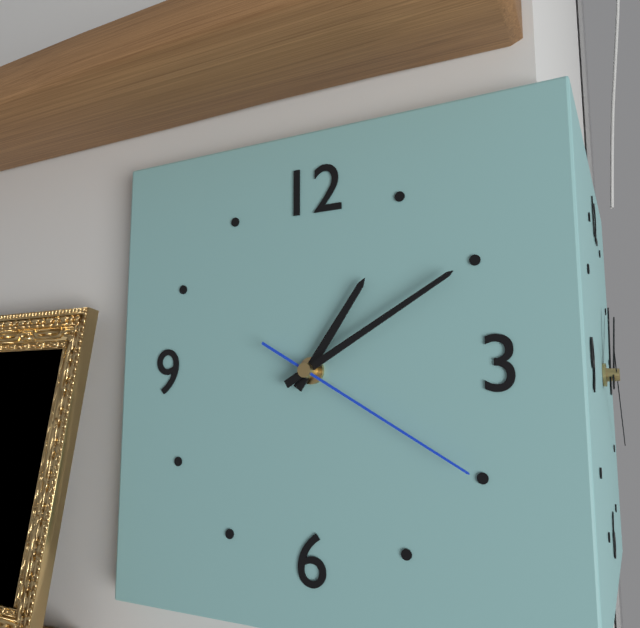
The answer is 1.10.20
